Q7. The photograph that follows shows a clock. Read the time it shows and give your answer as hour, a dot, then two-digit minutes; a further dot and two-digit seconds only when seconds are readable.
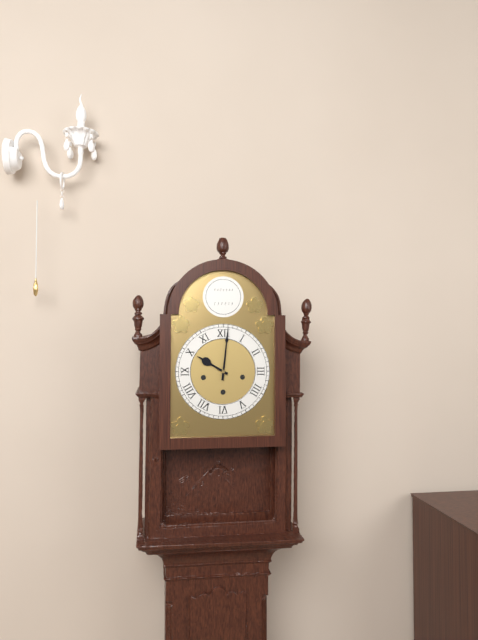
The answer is 10.01
